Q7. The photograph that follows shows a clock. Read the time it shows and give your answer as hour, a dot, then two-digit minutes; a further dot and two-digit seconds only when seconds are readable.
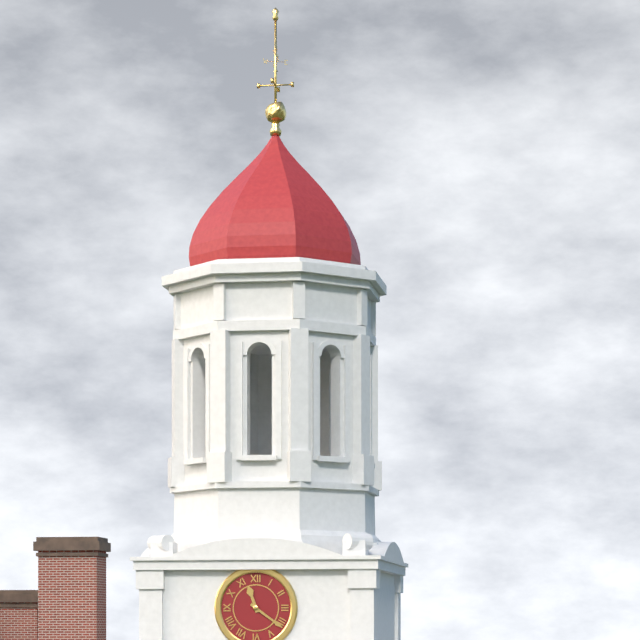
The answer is 11.21
